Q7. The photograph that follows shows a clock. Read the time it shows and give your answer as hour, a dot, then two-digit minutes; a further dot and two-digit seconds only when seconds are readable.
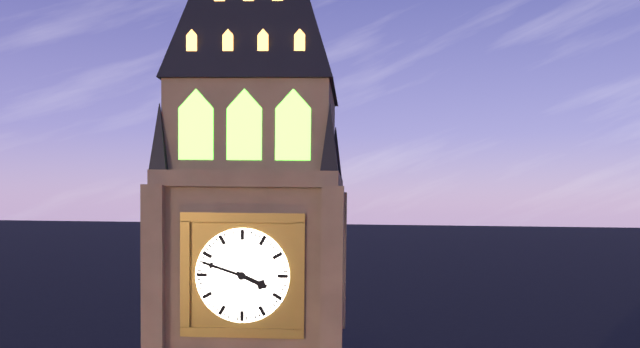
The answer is 3.48
